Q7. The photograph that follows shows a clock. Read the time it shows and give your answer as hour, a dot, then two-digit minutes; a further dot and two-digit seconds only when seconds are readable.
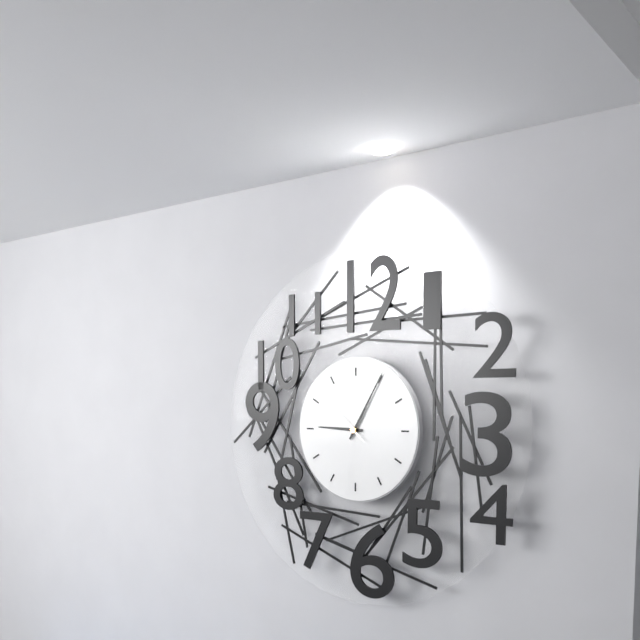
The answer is 9.05.52
